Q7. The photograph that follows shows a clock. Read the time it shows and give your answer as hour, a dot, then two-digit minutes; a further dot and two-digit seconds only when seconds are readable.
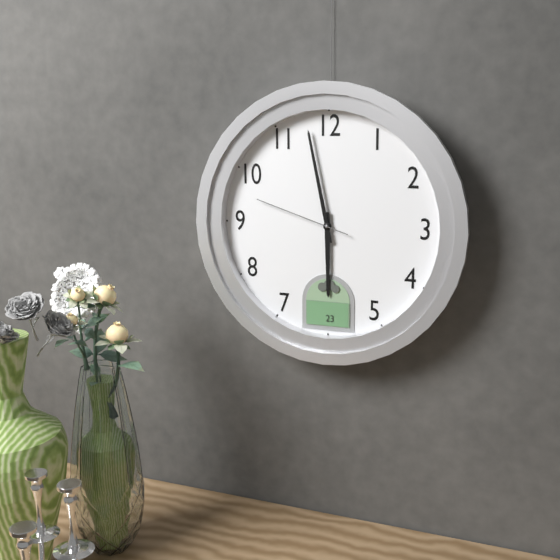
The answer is 5.58.48
